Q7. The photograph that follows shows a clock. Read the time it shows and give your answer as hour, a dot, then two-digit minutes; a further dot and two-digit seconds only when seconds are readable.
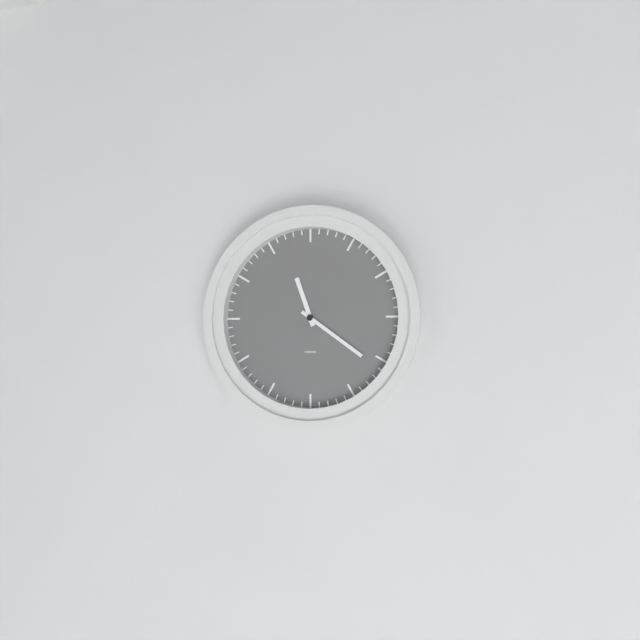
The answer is 11.21
